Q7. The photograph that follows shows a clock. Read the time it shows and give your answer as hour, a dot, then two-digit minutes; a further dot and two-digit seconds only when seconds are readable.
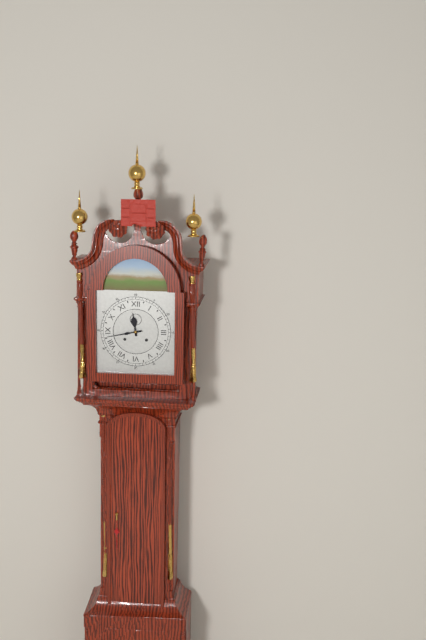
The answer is 11.43
